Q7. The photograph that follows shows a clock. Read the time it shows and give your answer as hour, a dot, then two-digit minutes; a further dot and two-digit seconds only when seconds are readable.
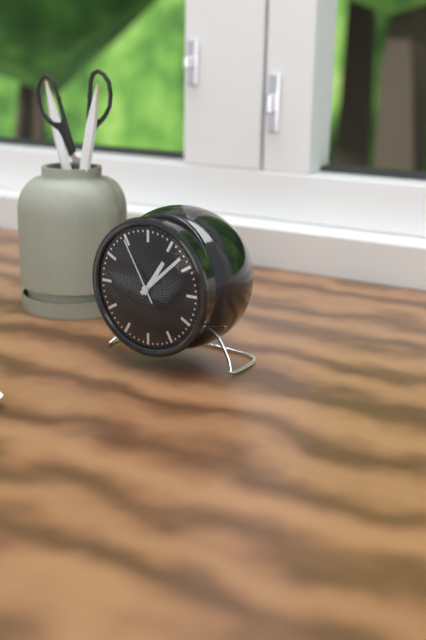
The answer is 1.08.55
